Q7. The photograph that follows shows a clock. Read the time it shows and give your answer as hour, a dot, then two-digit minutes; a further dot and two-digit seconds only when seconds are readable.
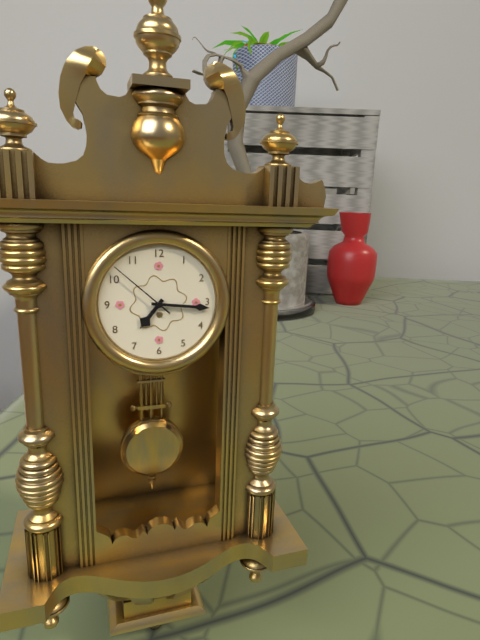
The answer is 7.16.52
